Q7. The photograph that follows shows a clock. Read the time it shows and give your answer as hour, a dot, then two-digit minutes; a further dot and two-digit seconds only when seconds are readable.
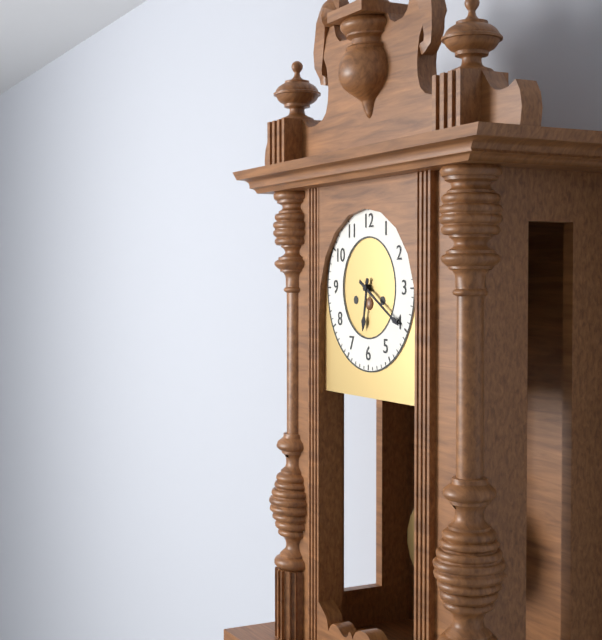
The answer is 6.20
